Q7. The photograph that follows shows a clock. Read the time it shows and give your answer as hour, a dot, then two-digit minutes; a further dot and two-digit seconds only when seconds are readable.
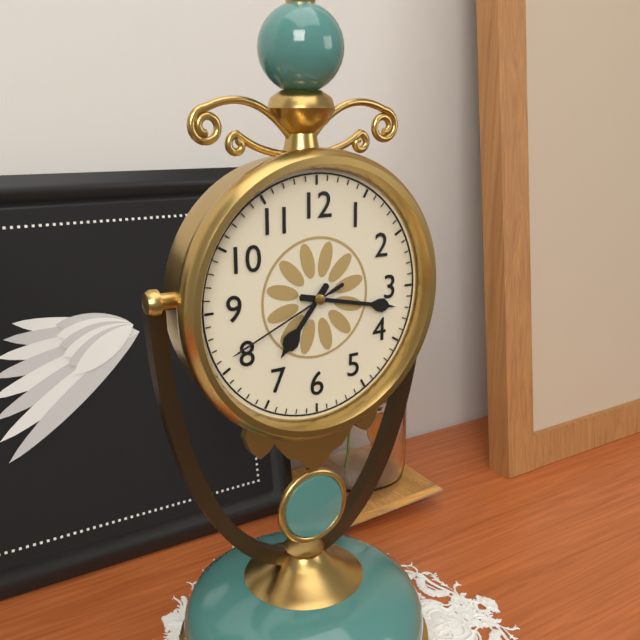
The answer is 7.17.41
